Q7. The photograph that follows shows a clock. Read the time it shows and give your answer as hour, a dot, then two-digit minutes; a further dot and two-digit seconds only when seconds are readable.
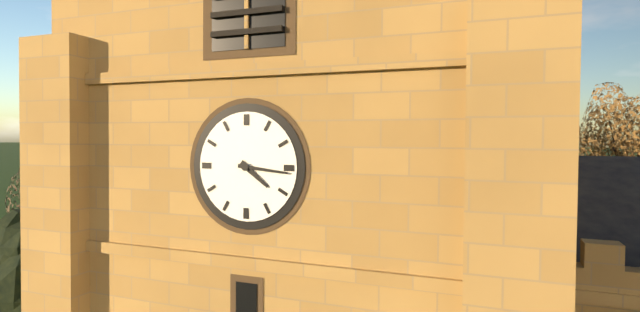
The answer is 4.16
